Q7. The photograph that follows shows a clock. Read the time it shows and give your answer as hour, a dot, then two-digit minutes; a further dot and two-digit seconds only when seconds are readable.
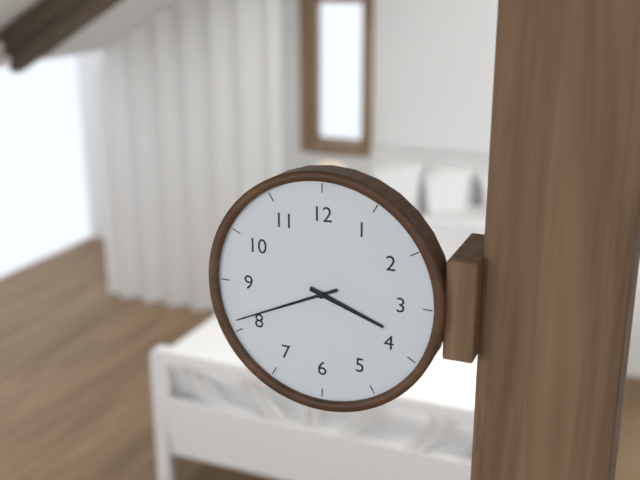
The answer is 3.41
